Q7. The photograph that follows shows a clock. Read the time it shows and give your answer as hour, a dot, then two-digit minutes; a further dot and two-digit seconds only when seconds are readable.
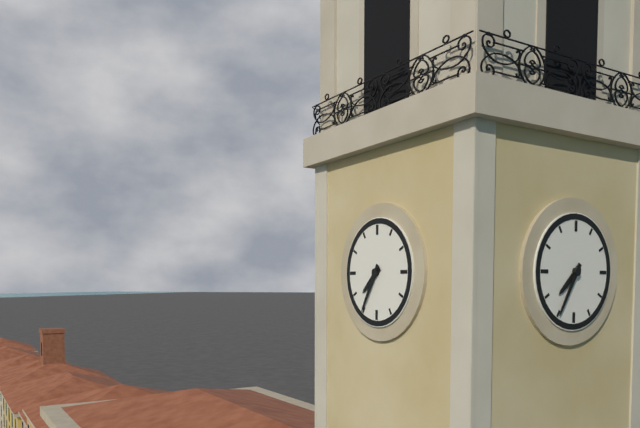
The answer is 7.35
